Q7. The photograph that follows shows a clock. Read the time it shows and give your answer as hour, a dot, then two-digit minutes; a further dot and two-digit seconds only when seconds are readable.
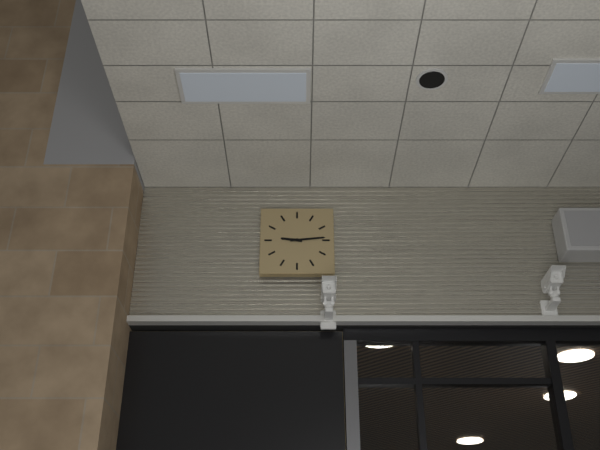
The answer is 9.14
